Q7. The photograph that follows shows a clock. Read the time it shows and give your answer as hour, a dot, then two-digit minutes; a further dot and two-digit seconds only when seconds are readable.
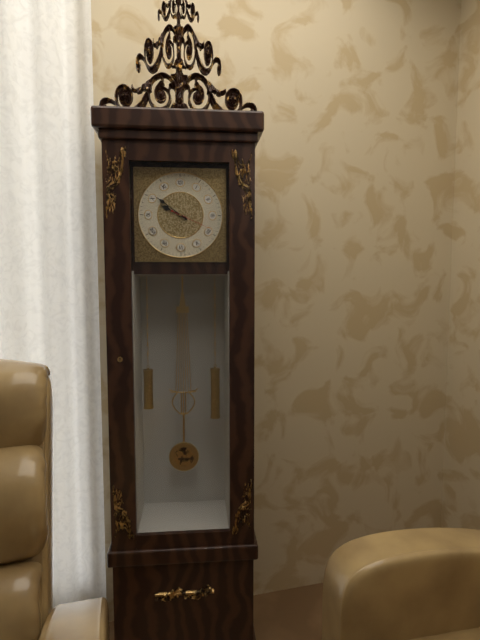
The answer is 9.51
